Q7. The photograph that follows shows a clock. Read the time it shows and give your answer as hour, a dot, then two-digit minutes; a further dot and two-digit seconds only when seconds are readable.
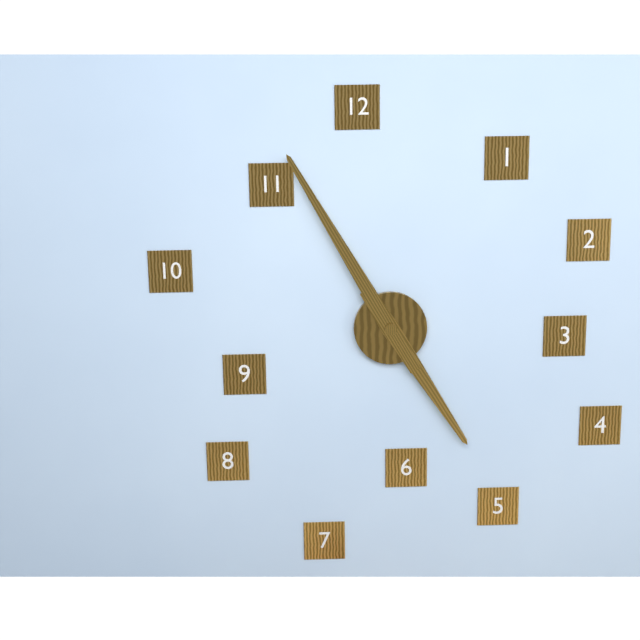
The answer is 4.55
